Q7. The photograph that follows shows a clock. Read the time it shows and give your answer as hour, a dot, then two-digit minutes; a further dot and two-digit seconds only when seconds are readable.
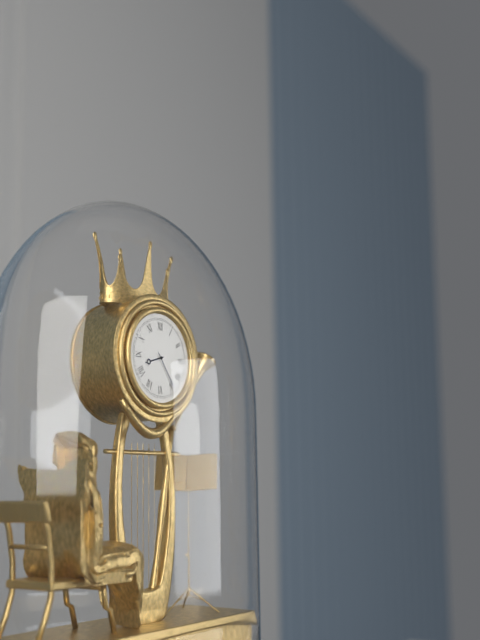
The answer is 8.24
